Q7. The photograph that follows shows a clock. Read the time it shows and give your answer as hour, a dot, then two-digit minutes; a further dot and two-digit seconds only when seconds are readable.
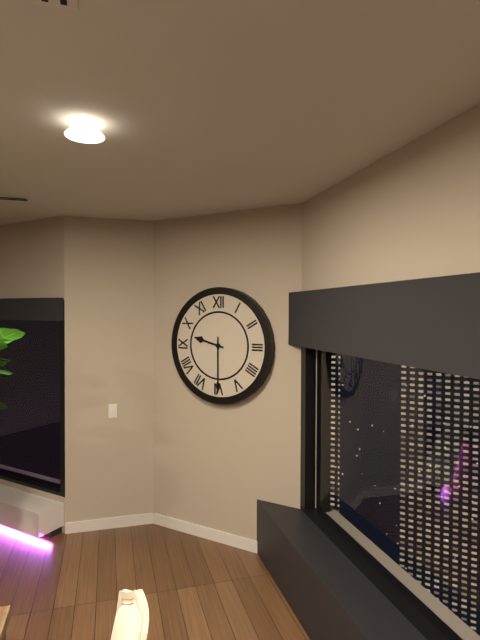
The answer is 9.30
